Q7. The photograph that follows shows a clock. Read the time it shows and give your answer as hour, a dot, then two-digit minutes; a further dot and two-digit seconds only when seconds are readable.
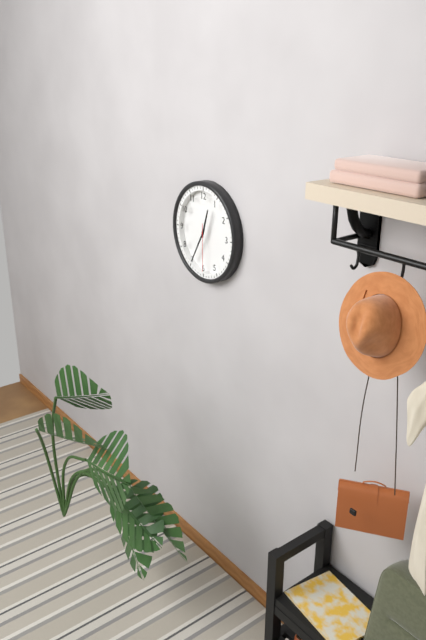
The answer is 12.35
